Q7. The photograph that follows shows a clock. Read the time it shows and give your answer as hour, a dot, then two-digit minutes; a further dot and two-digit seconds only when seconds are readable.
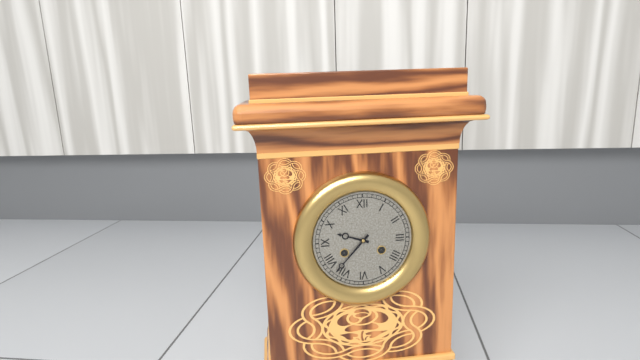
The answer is 9.37
